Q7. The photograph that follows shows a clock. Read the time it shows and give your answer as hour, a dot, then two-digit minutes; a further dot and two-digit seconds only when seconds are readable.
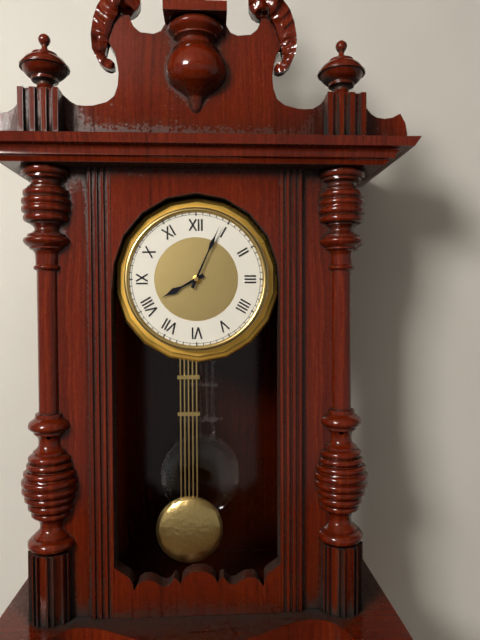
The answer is 8.04
